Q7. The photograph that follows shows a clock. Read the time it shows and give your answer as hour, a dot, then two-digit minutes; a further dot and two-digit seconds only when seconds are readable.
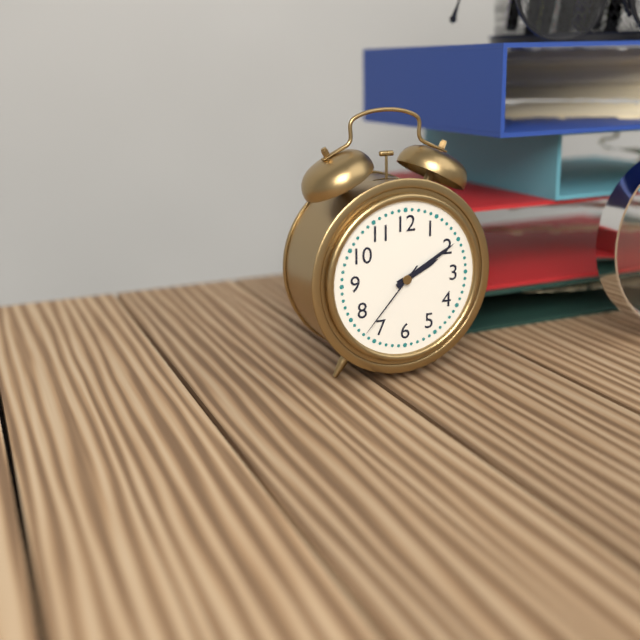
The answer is 2.10.37
